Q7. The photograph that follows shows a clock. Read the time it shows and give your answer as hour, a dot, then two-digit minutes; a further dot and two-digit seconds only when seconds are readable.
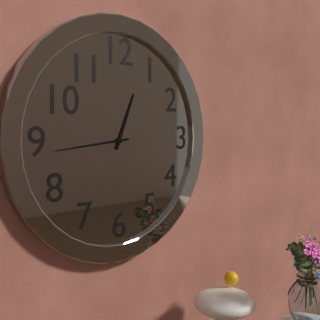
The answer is 12.44
